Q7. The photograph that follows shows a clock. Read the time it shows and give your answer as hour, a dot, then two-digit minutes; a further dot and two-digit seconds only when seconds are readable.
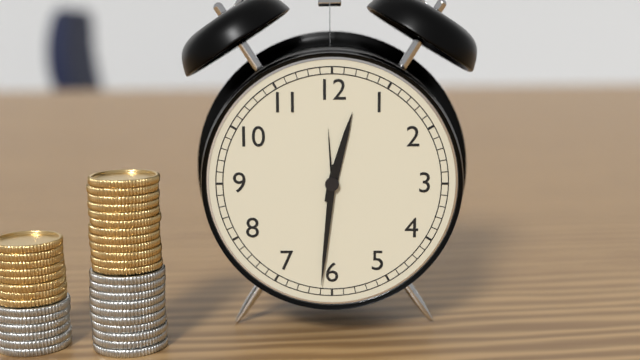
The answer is 12.31
